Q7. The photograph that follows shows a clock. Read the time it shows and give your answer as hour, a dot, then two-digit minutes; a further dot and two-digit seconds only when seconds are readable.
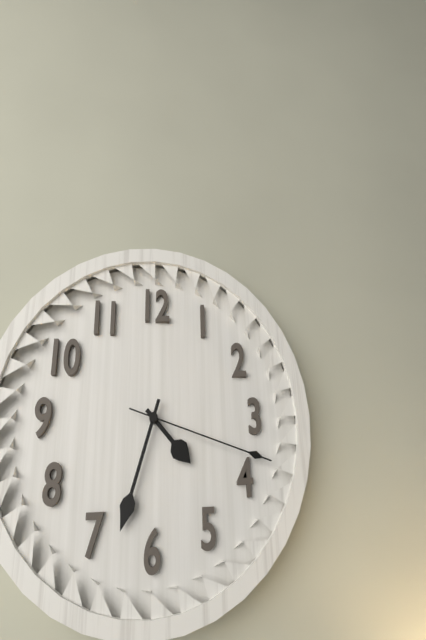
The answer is 4.33.18
